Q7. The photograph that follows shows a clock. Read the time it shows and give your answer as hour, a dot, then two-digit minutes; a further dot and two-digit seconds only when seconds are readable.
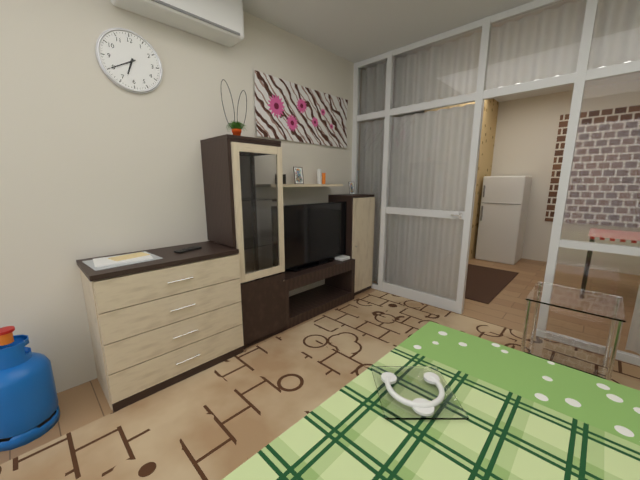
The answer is 6.40
